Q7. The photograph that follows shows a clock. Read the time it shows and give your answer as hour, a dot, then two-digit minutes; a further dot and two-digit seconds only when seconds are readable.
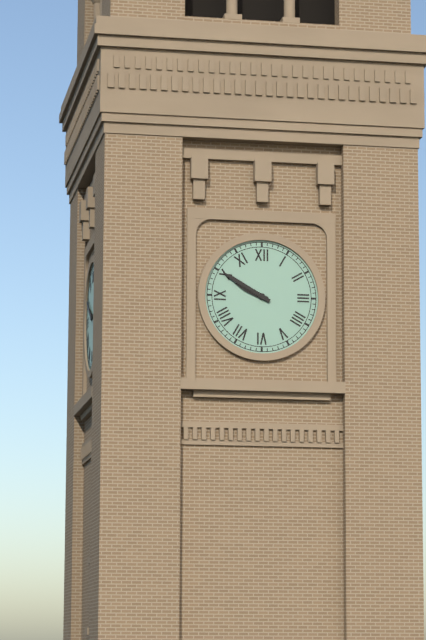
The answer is 9.50
